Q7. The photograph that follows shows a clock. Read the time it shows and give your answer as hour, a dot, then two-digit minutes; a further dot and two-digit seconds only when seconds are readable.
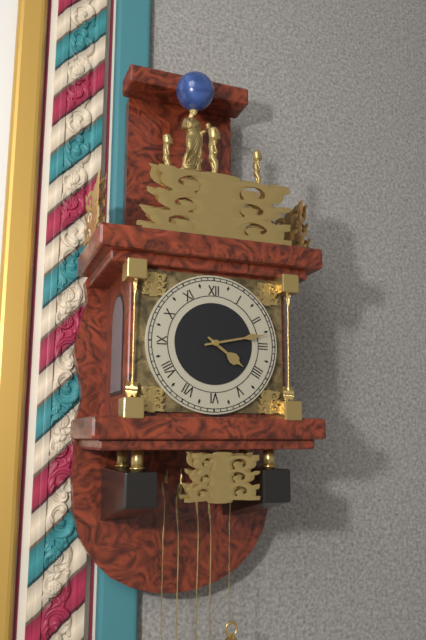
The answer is 4.13
